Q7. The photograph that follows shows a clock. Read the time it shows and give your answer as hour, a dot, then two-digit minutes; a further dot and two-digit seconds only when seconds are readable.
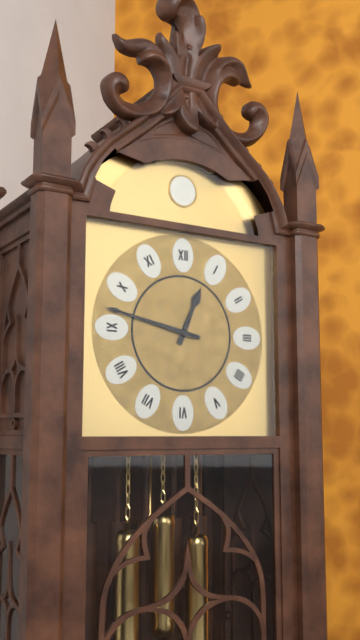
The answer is 12.47
